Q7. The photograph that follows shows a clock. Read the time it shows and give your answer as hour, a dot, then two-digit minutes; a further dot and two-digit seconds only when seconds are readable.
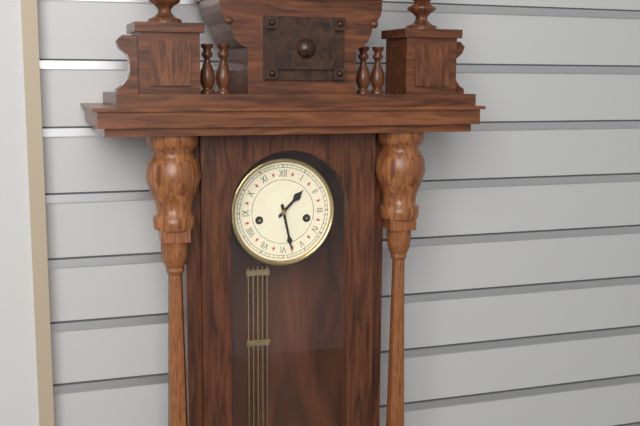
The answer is 1.28
